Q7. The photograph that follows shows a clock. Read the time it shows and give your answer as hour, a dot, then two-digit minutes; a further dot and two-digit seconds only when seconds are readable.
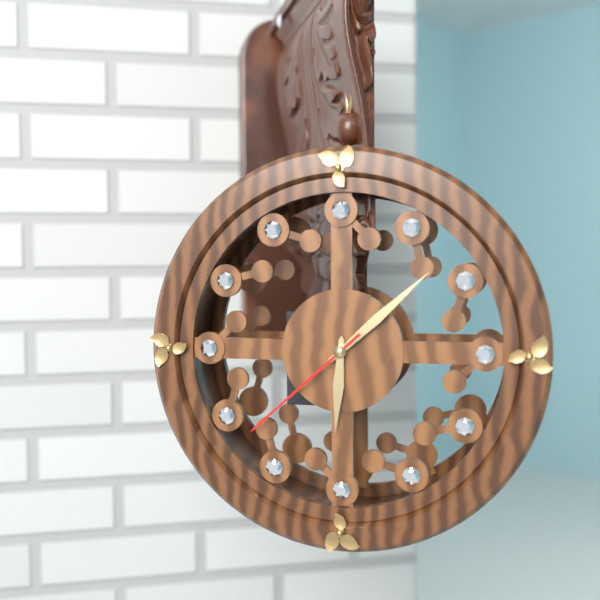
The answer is 6.08.38
